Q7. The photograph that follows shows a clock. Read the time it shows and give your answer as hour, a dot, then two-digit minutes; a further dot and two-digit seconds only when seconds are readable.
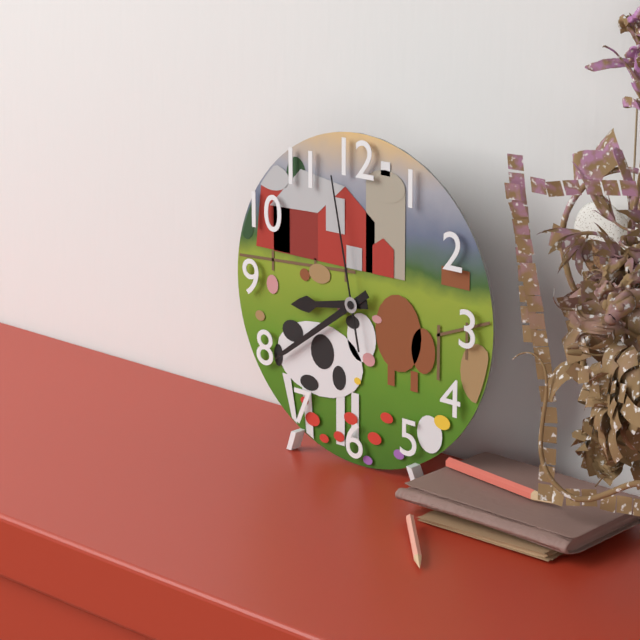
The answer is 8.39.58
